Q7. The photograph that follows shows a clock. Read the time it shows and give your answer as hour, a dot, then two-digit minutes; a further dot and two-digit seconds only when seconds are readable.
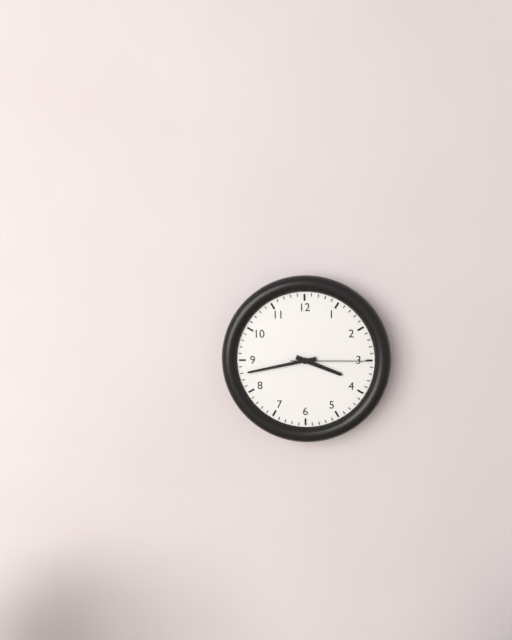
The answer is 3.43.15
